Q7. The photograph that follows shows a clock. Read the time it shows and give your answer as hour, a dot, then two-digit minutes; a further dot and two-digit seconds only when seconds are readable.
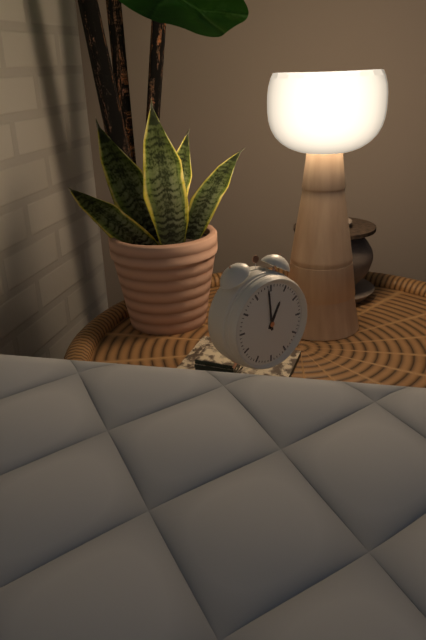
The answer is 12.59
